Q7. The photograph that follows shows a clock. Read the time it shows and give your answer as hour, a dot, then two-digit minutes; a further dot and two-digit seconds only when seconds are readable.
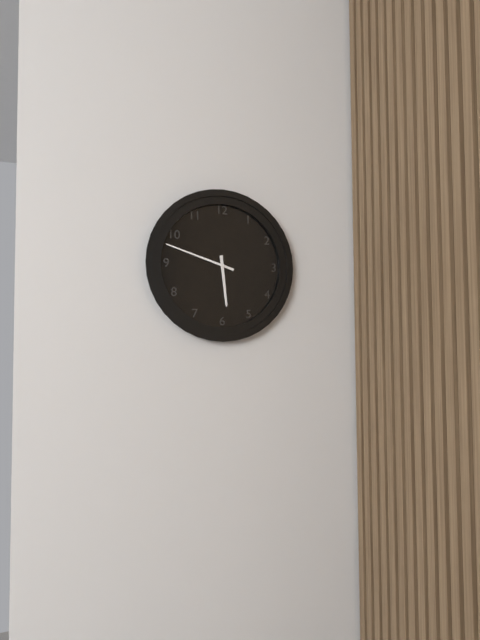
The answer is 5.48
